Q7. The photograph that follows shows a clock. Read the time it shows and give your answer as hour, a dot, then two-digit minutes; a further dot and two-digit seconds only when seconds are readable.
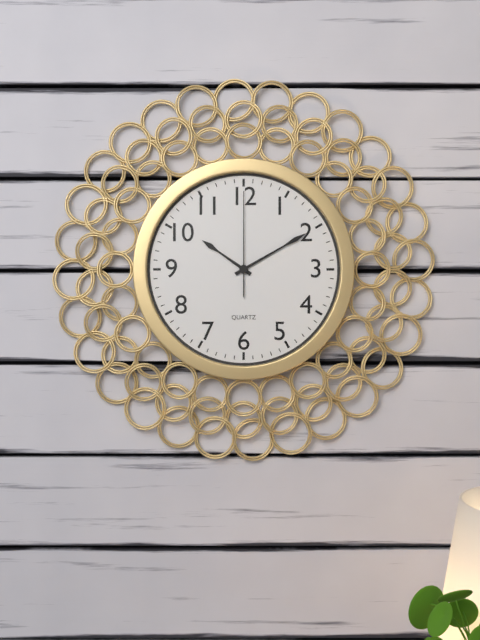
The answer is 10.10.00
